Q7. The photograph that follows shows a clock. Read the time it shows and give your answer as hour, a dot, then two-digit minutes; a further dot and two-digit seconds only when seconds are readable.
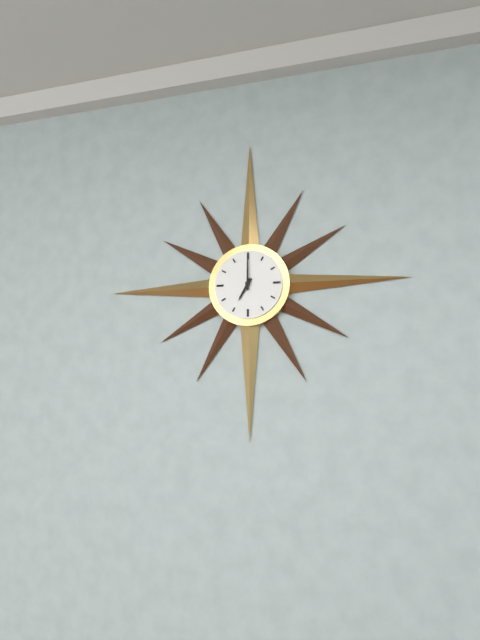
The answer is 7.00
